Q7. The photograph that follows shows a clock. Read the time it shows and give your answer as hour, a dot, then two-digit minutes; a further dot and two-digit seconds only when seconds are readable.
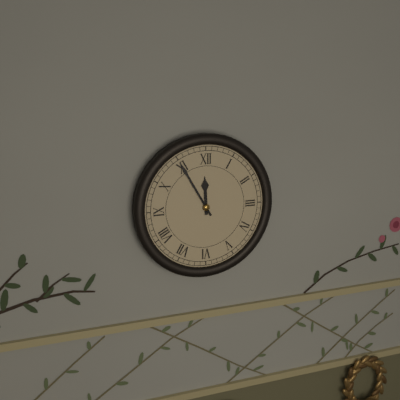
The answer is 11.55
